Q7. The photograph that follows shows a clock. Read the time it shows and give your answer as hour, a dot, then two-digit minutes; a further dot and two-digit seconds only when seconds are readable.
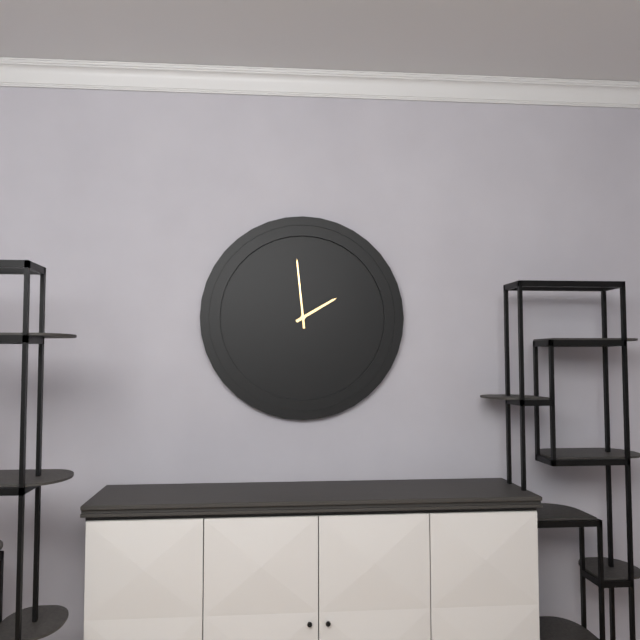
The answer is 1.59
